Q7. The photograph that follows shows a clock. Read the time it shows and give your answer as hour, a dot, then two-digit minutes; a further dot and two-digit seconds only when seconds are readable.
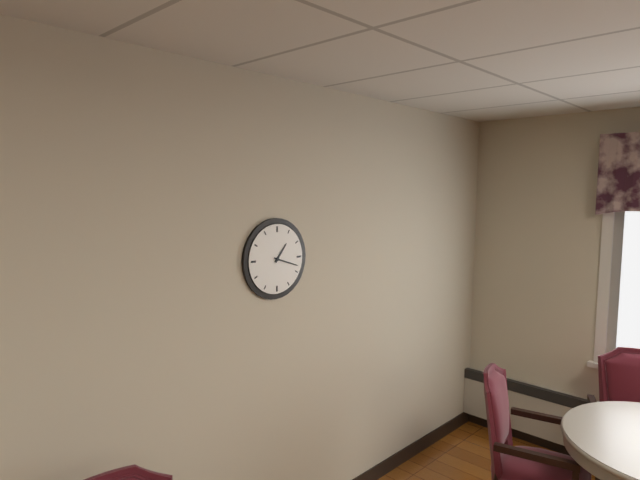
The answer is 1.18
